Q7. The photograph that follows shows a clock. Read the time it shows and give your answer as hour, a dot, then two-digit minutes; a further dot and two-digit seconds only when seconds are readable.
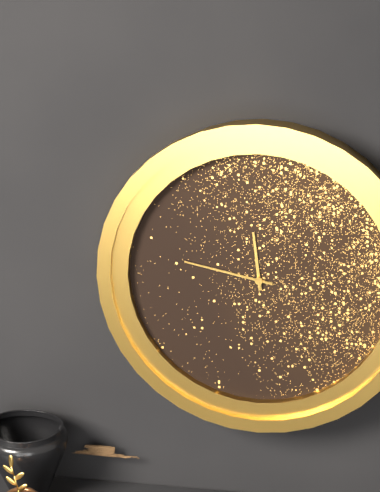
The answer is 11.47
